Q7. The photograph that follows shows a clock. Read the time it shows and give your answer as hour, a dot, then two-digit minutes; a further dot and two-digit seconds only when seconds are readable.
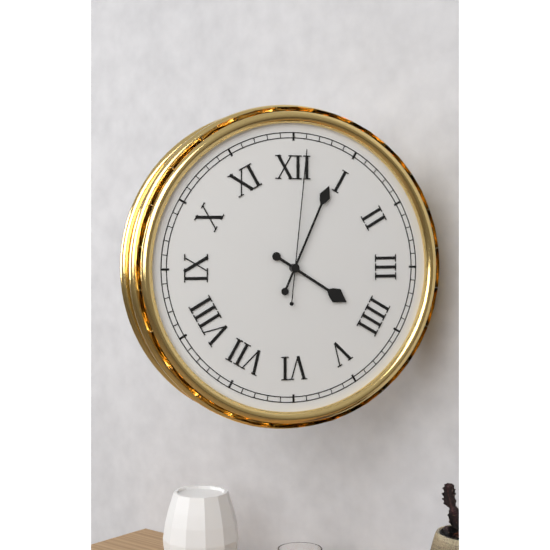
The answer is 4.04.01
